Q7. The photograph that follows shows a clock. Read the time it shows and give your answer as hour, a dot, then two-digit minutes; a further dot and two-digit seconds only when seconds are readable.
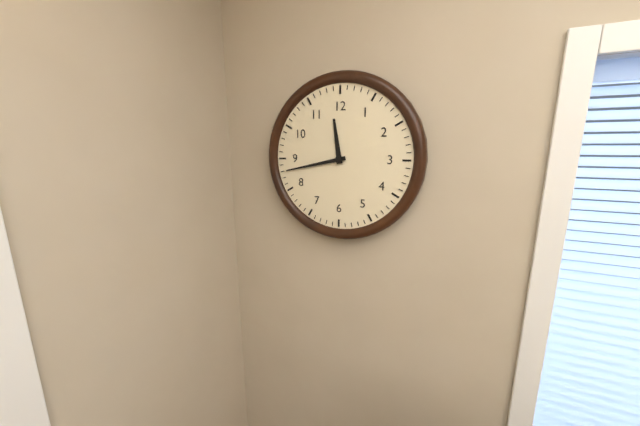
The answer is 11.43
